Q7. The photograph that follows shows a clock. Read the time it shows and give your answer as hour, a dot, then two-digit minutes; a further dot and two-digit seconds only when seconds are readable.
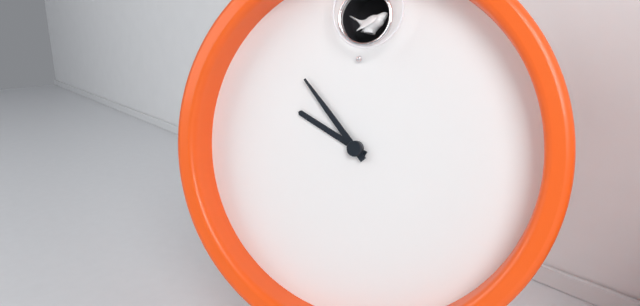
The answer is 9.53
